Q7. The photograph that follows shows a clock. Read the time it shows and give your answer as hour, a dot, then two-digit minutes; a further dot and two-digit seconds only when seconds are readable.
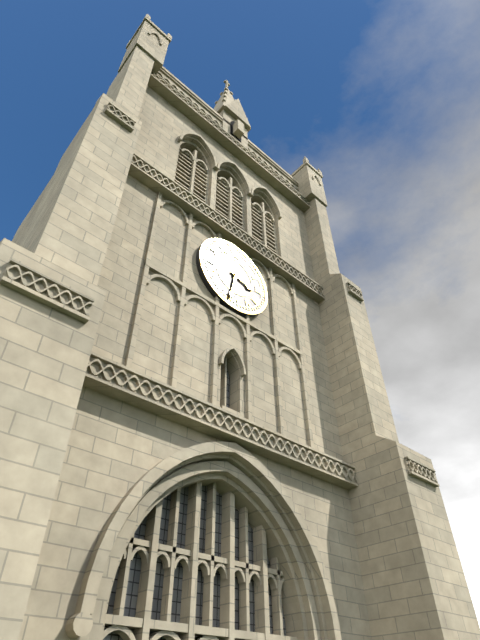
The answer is 3.32
